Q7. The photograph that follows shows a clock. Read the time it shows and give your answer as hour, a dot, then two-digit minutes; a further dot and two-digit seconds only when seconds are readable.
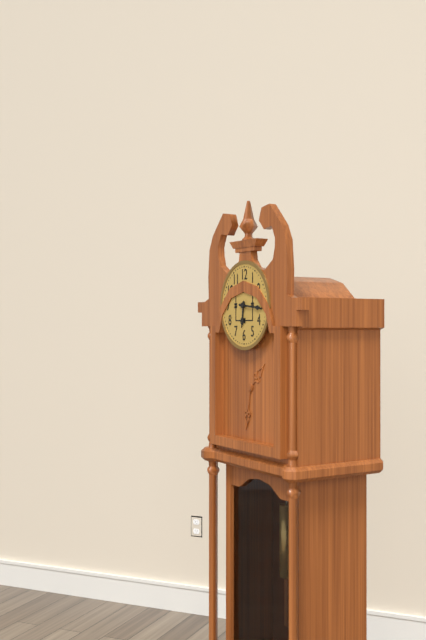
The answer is 6.16
